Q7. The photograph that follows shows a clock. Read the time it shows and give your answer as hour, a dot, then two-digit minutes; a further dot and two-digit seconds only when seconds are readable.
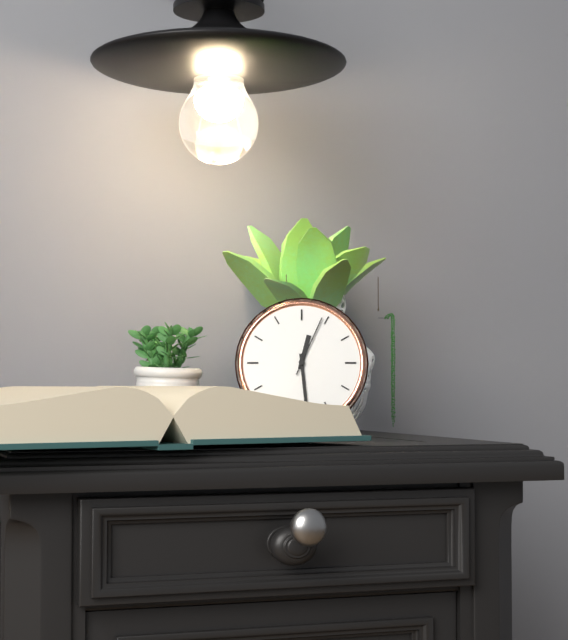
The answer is 12.29.04
